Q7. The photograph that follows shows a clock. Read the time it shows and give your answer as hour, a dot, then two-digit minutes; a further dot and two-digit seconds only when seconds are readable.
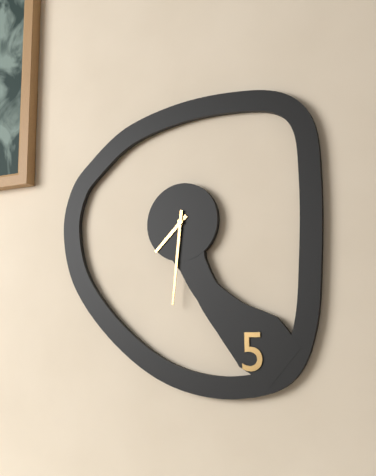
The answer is 7.31
